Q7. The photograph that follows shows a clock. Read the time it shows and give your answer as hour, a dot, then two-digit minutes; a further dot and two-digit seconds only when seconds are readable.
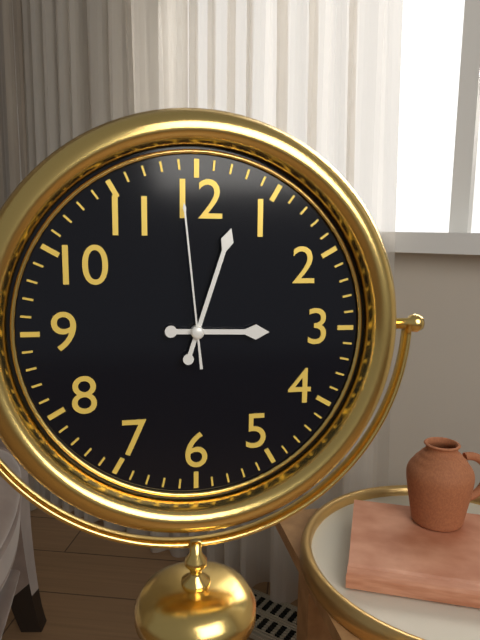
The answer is 3.03.59
